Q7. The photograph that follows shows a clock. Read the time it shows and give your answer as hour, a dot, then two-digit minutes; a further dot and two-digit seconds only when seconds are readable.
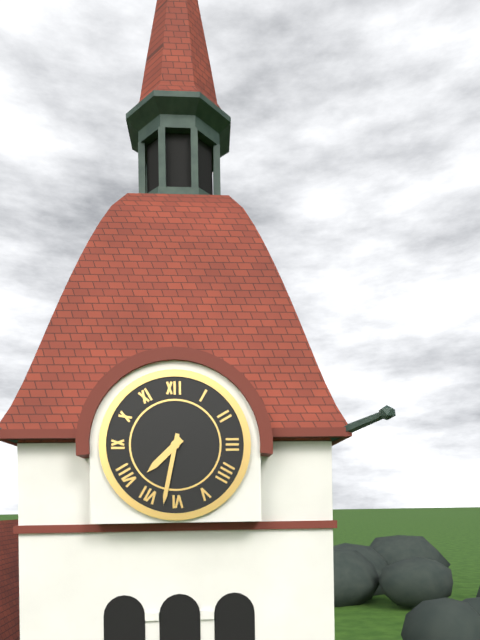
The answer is 7.32
